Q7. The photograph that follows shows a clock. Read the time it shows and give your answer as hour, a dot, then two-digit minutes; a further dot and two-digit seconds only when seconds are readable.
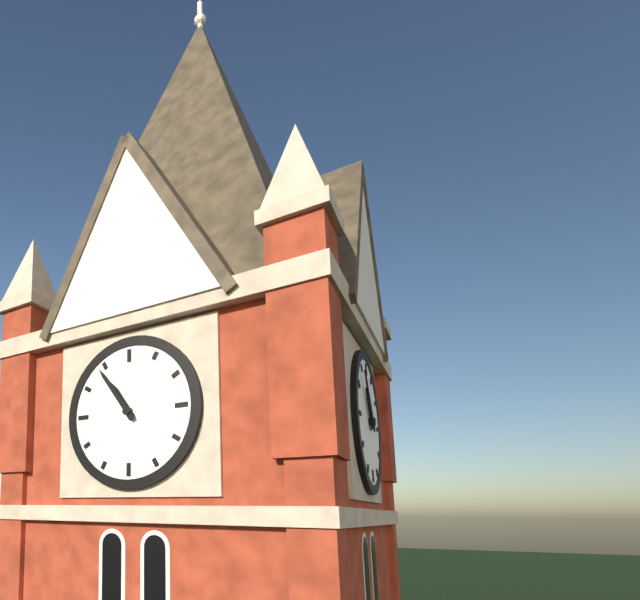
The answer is 10.54
